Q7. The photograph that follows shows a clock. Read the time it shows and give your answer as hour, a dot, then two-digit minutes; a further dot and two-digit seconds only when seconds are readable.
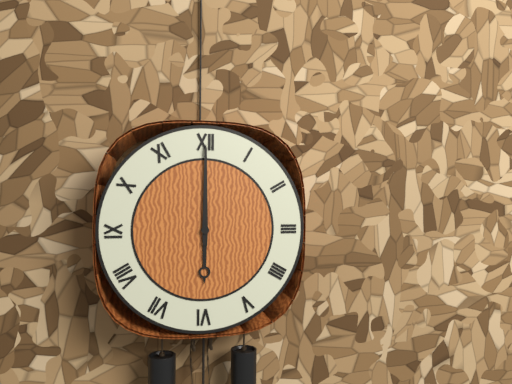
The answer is 6.00
